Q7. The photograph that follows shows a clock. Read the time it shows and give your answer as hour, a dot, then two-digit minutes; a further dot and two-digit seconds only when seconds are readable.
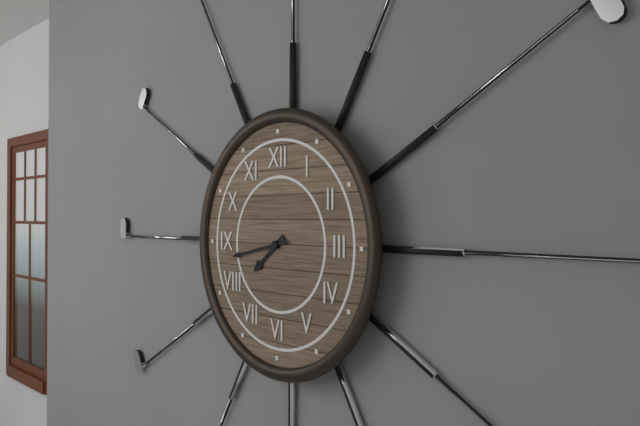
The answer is 7.43
